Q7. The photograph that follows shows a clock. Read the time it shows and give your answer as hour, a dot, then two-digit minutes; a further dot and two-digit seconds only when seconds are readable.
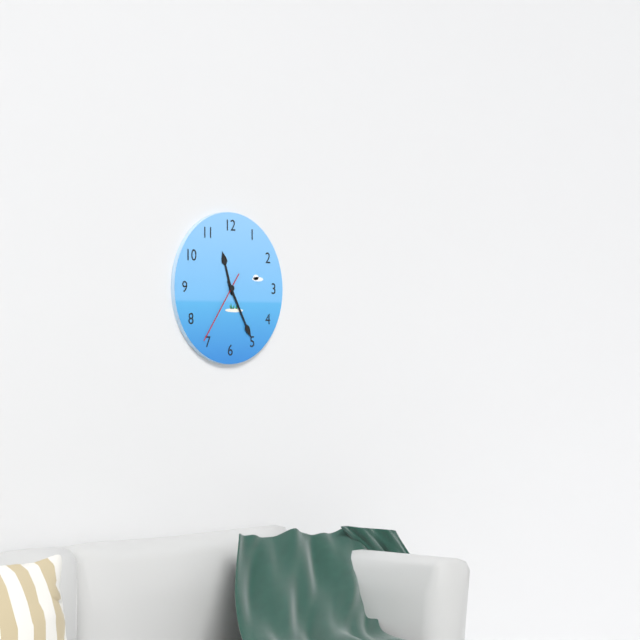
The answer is 11.25.36
